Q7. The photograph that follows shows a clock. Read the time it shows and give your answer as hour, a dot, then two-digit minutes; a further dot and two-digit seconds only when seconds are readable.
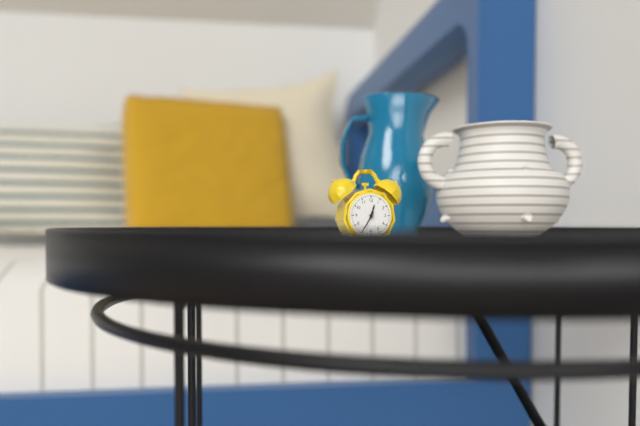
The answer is 12.35
